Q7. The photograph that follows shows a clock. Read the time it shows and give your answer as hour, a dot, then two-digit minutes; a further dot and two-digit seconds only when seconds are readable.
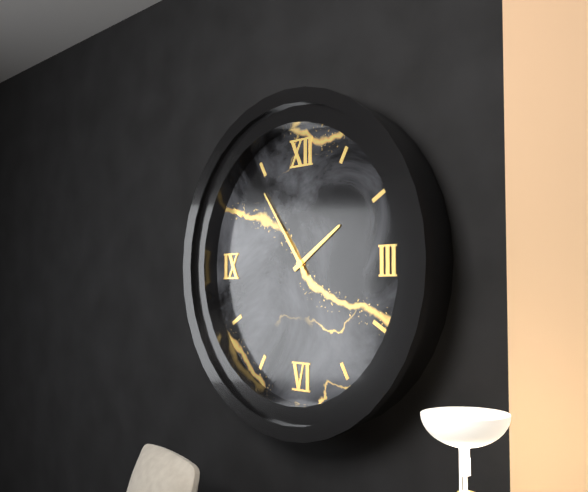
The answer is 1.54
